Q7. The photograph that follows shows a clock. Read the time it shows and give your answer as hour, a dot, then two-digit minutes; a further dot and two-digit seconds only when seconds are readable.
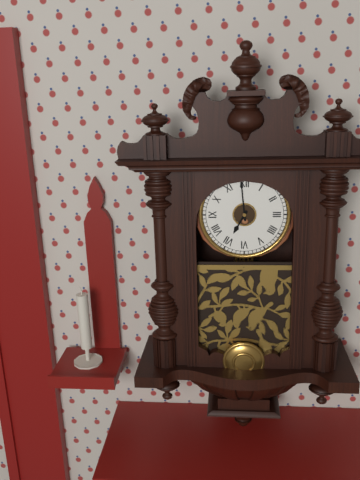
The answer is 6.59
